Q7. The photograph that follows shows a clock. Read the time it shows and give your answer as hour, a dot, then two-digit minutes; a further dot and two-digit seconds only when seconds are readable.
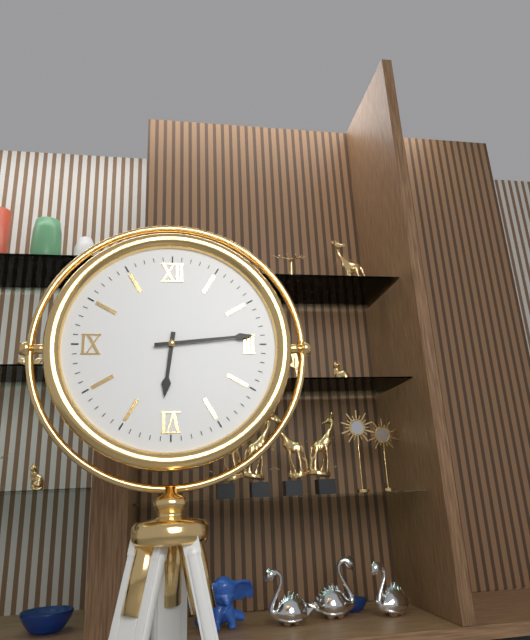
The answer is 6.14
